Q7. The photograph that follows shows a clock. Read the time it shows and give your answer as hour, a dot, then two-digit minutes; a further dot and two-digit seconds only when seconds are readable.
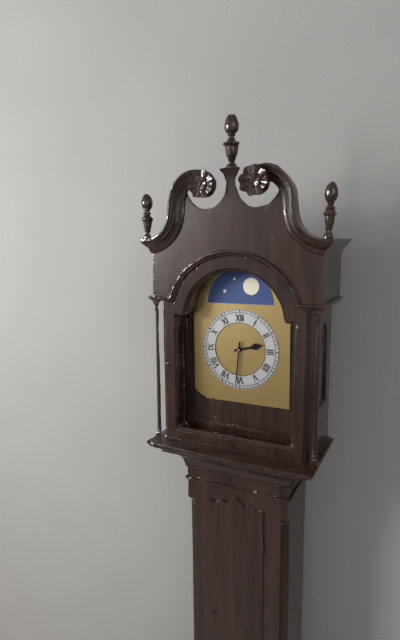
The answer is 2.31
